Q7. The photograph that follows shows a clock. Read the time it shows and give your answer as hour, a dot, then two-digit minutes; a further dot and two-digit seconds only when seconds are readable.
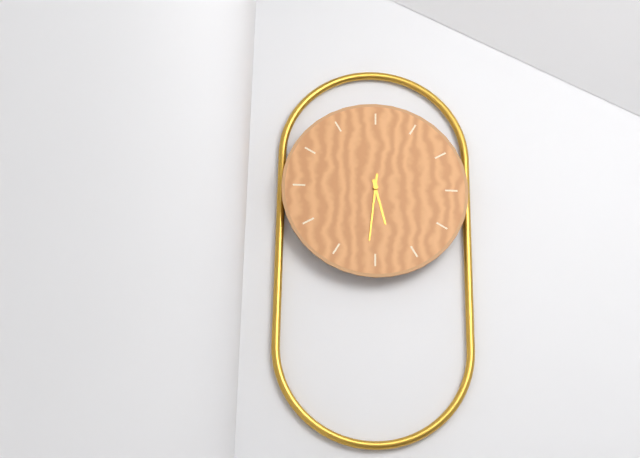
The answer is 5.31
